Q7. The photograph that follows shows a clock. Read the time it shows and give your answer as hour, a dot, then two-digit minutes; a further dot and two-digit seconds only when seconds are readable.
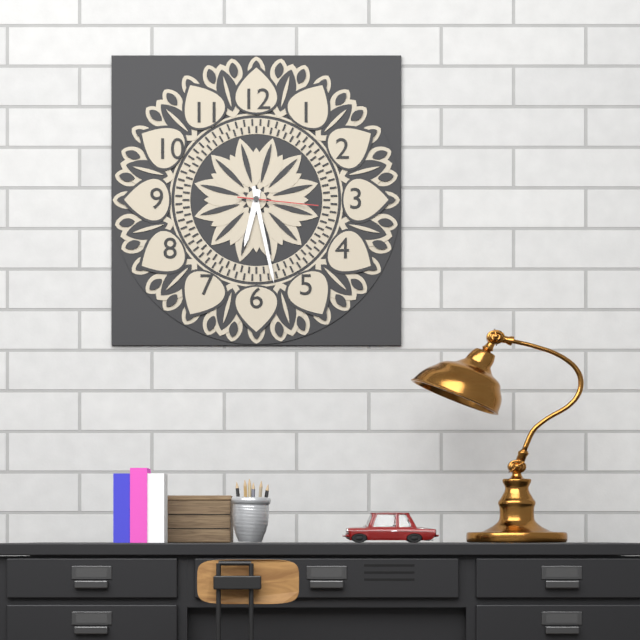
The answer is 6.28.16
